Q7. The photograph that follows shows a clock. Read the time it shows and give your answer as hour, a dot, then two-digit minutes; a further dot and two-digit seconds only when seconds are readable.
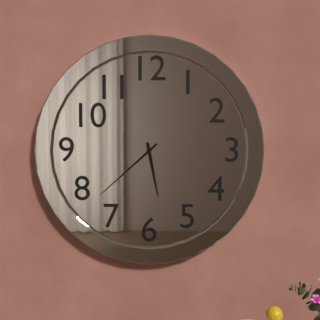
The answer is 5.38
